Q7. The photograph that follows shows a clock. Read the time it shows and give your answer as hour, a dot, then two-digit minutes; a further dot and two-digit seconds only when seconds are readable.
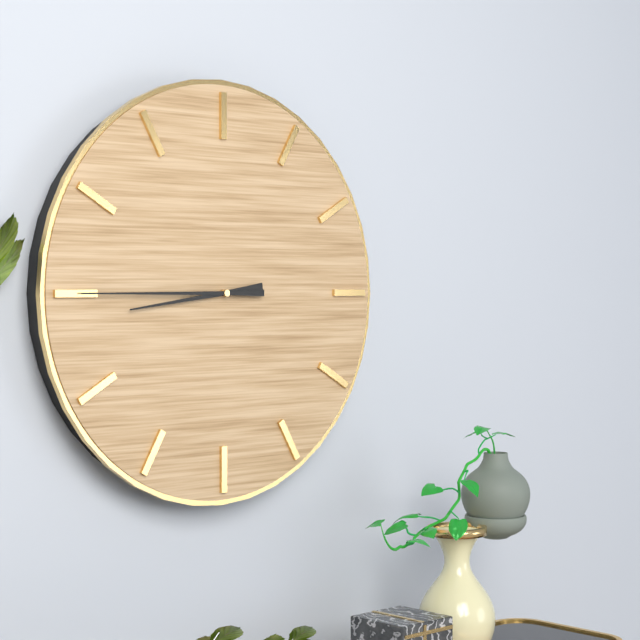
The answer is 8.45
